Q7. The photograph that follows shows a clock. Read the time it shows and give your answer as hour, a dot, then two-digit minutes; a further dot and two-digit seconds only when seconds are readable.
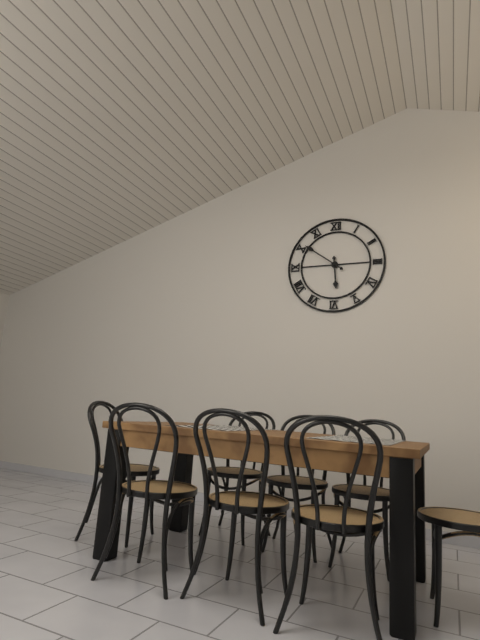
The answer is 5.51
